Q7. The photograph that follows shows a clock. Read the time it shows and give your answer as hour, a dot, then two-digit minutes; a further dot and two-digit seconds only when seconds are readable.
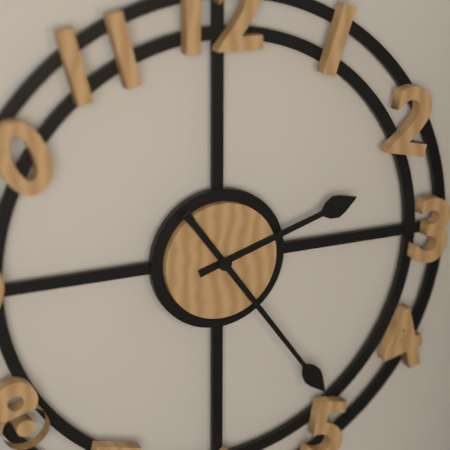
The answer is 2.24
